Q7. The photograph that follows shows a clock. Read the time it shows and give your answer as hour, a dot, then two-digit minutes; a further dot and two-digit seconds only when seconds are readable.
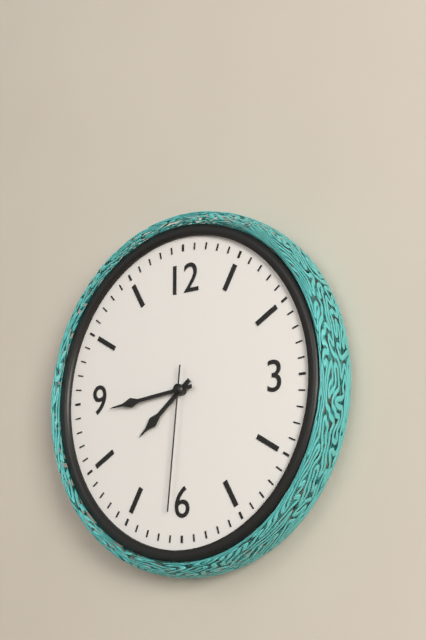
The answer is 7.44.31
